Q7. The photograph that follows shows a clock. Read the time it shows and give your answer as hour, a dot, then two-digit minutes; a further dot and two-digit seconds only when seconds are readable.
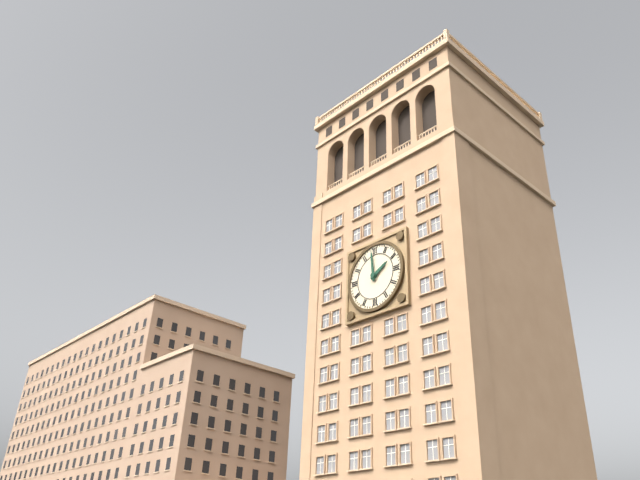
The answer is 1.59
